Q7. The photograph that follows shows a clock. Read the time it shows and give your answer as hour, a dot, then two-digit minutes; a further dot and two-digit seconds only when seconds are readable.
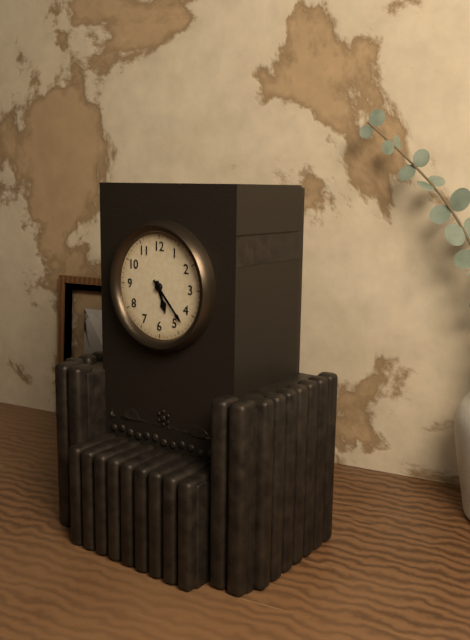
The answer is 5.23
